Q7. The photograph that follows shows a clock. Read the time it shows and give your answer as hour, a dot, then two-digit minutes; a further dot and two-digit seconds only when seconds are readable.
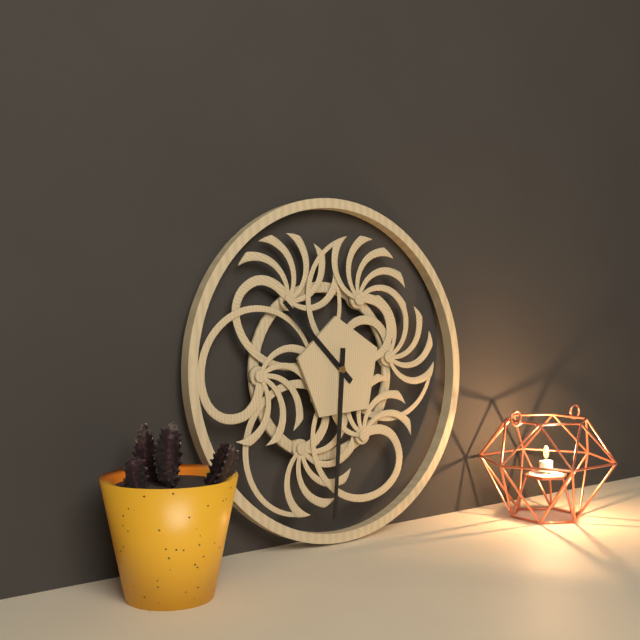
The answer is 10.31
